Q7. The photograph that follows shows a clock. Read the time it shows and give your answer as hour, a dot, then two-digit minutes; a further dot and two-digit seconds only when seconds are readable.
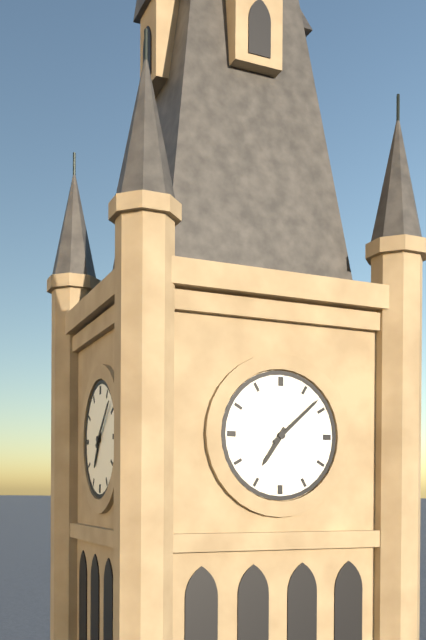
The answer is 7.08
